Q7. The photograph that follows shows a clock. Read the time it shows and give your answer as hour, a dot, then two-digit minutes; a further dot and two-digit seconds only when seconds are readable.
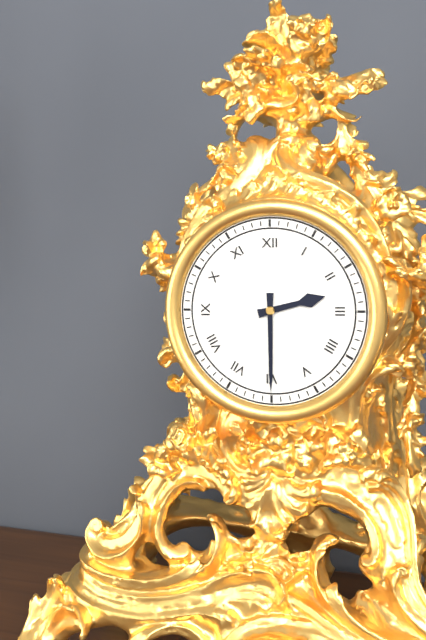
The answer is 2.30
